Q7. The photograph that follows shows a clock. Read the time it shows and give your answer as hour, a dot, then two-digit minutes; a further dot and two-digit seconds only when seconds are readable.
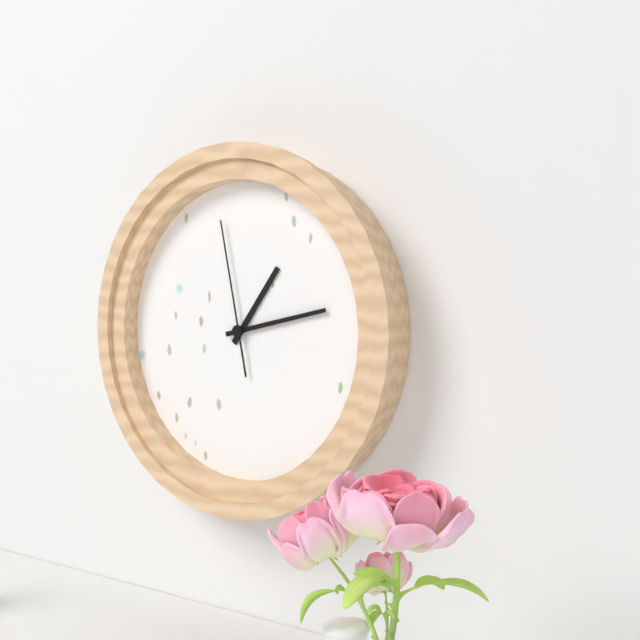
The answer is 1.13.58
